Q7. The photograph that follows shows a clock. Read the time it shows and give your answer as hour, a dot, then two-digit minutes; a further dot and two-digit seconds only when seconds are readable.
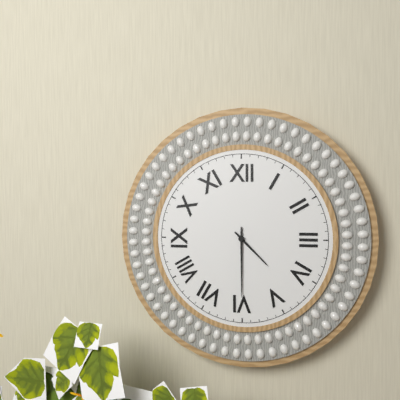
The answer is 4.30
